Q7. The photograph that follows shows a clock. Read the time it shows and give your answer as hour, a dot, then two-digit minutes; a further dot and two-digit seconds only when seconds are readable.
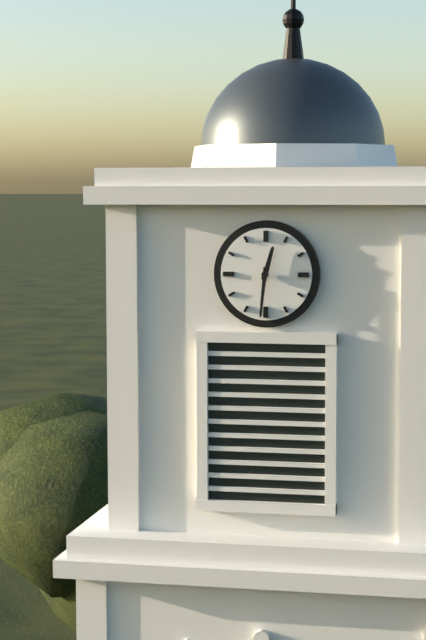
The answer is 12.31
